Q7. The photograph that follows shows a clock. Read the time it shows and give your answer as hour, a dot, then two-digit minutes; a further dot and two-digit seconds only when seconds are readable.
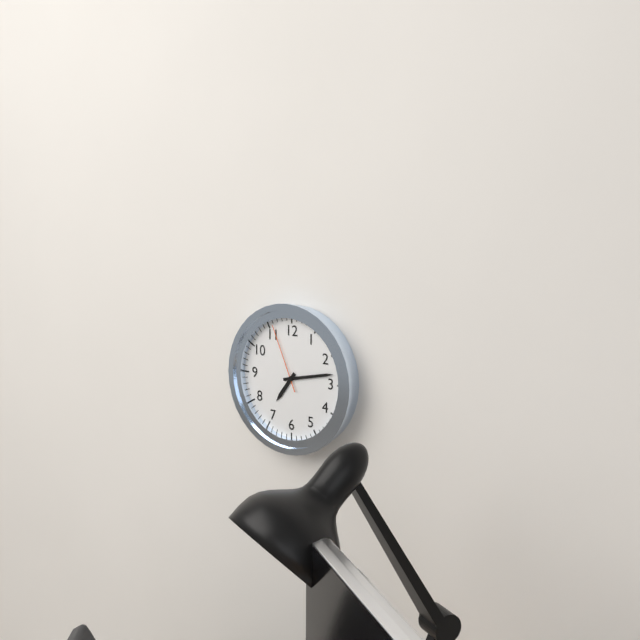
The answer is 7.13.56
